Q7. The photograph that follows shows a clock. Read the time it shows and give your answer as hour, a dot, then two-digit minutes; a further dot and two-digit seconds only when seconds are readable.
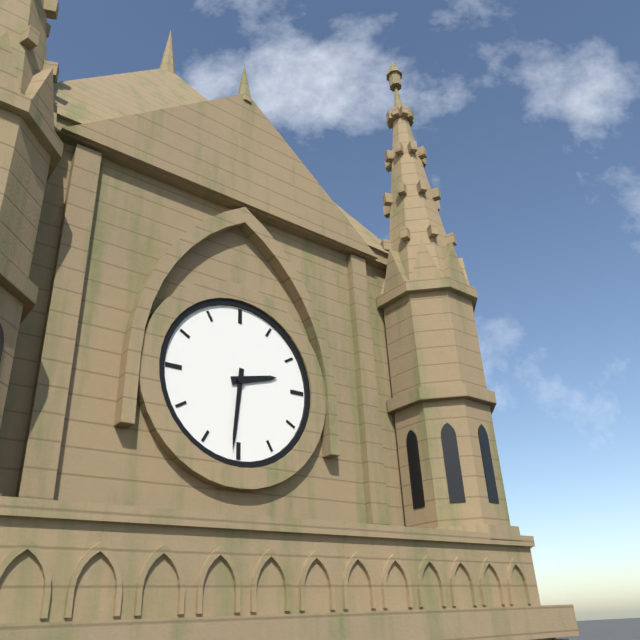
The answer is 2.31
